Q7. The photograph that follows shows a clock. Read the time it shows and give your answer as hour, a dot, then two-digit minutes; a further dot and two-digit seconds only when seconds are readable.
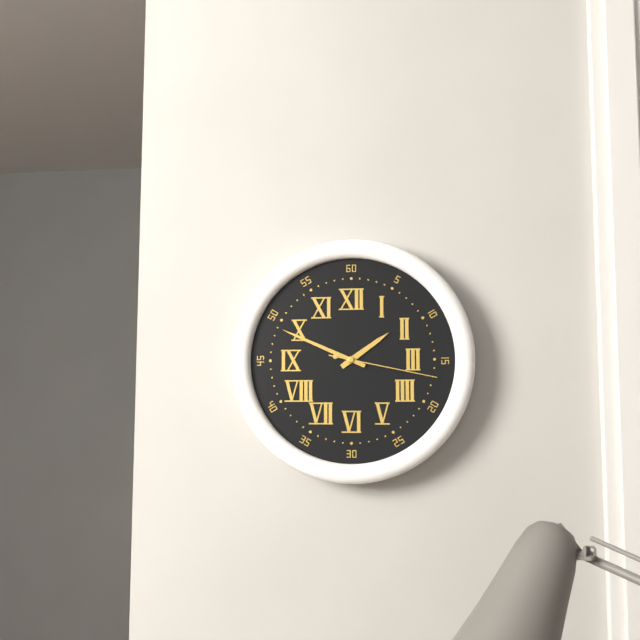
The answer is 1.49.17
